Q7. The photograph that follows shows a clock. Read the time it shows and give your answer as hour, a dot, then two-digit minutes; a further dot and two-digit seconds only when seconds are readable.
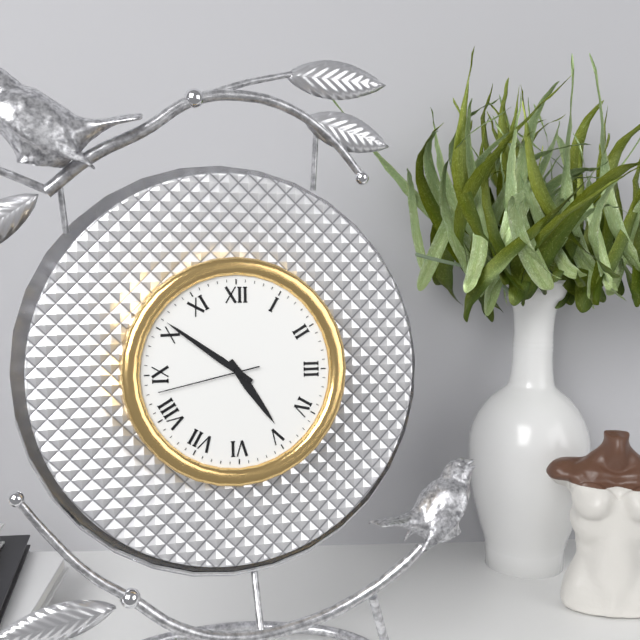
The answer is 4.51.43
